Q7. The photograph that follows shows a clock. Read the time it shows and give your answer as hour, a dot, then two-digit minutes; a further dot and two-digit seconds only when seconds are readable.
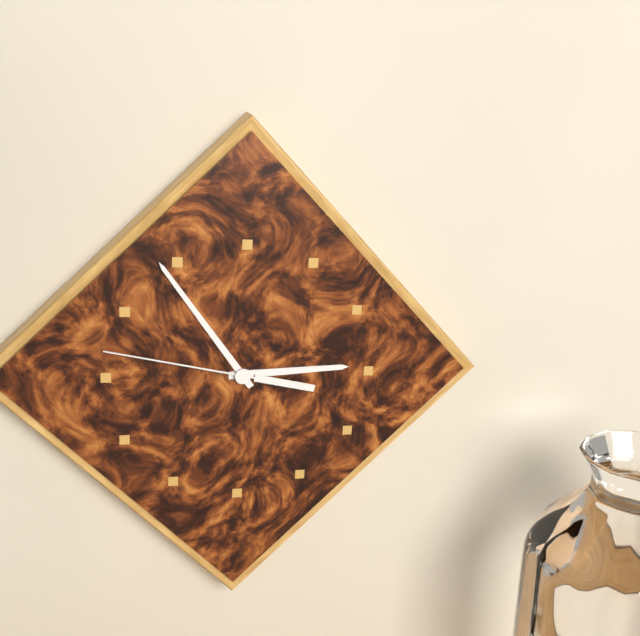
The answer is 2.54.47
